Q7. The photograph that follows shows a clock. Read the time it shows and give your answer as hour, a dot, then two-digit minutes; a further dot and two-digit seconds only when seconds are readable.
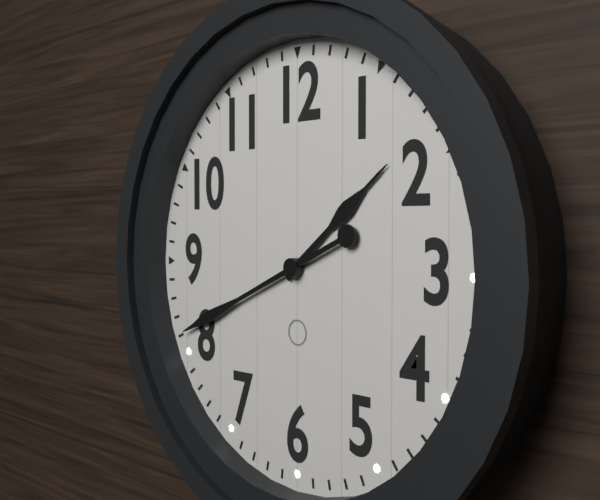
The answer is 1.41
